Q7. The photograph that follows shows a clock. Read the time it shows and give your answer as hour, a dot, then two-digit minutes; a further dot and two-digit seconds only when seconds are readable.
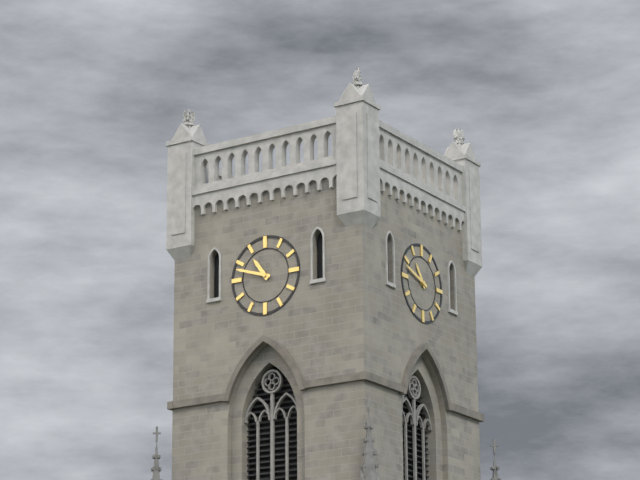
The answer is 10.48
